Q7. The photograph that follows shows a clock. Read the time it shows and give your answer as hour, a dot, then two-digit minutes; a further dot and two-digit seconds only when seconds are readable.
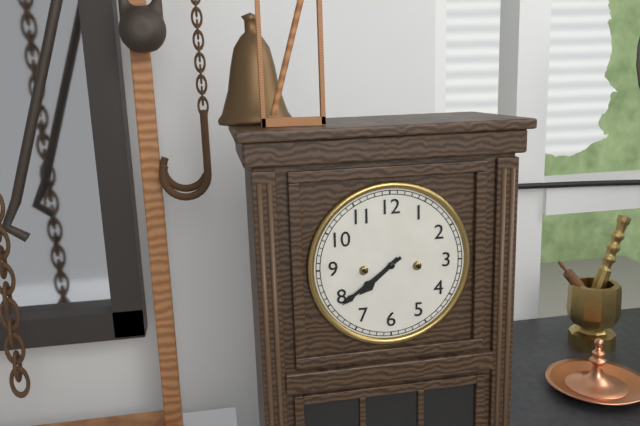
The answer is 7.39
